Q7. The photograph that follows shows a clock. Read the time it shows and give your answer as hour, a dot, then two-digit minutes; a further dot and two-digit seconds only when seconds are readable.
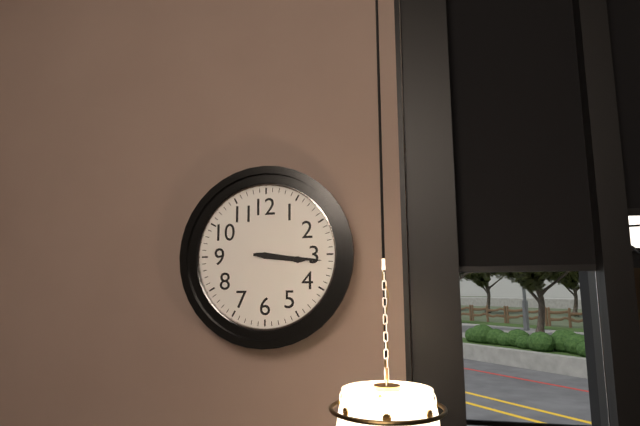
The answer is 3.16
